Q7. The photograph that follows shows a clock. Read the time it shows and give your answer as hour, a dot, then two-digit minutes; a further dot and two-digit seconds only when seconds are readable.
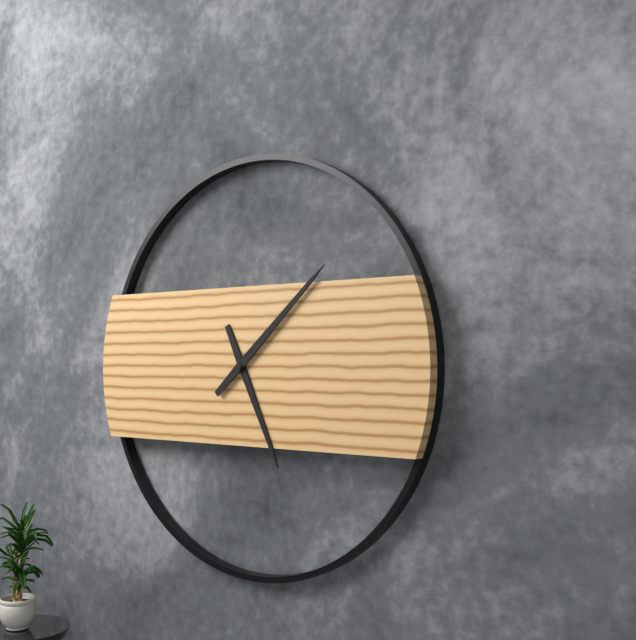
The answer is 5.08
